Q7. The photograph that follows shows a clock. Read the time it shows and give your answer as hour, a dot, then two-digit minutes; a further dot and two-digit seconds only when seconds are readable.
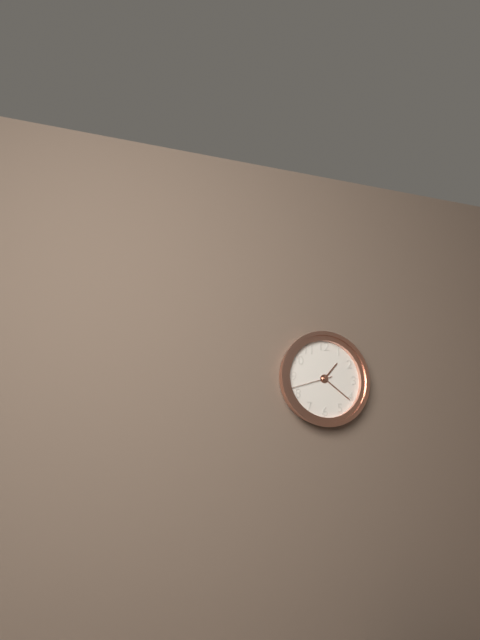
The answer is 1.21
